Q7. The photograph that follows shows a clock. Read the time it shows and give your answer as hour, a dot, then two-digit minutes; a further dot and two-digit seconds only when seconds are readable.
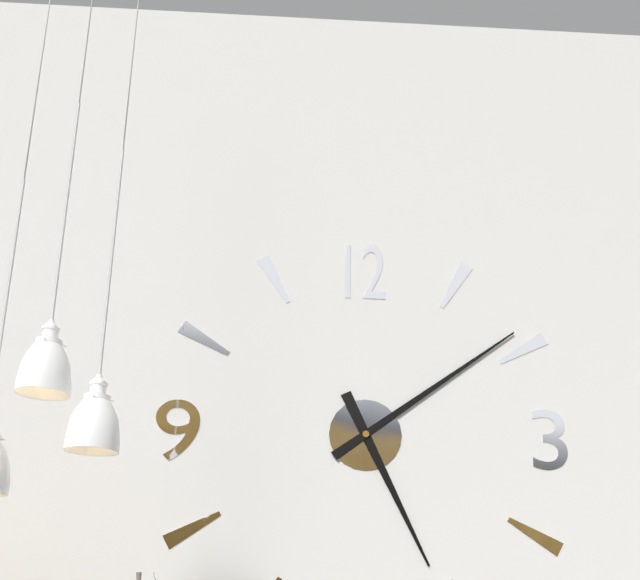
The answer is 5.09
